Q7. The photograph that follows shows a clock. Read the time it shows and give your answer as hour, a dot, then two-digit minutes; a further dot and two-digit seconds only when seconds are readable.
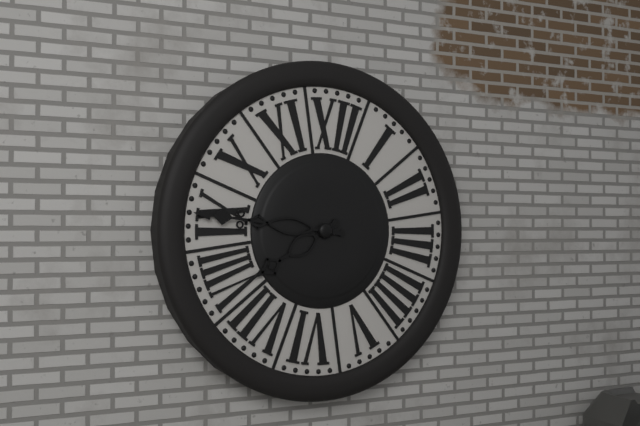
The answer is 7.45
